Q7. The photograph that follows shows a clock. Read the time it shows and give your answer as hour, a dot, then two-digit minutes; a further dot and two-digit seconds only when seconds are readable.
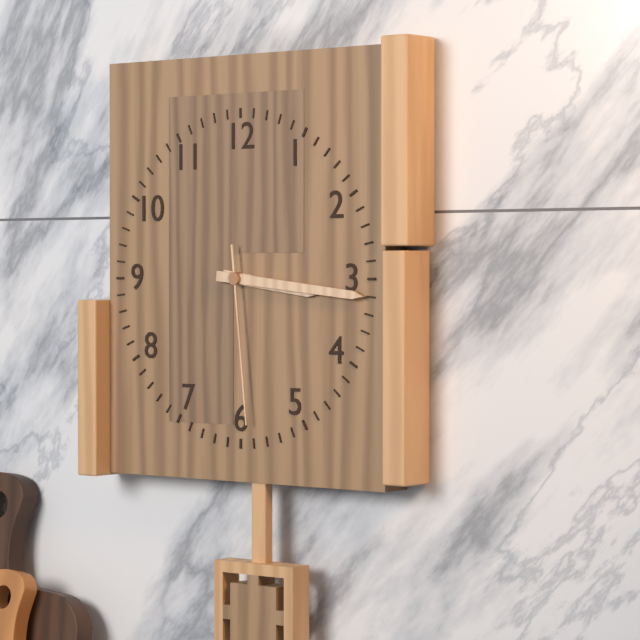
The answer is 3.16.29
